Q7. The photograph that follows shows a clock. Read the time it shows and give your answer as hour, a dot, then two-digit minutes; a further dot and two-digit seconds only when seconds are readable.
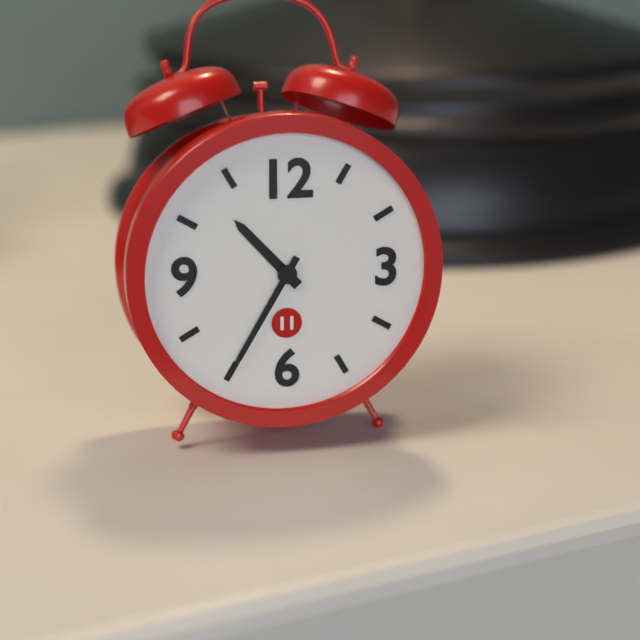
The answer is 10.35
